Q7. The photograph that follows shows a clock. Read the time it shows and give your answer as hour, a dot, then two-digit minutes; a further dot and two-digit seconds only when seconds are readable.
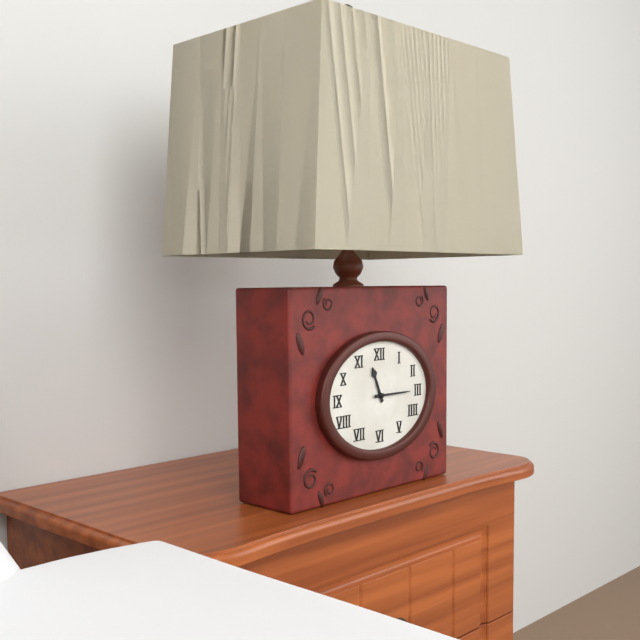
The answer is 11.15
